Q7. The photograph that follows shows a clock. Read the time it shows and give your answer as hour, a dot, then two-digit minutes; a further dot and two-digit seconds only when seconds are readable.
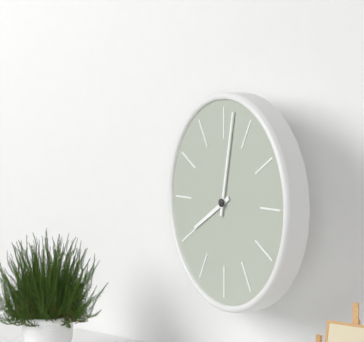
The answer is 8.02
